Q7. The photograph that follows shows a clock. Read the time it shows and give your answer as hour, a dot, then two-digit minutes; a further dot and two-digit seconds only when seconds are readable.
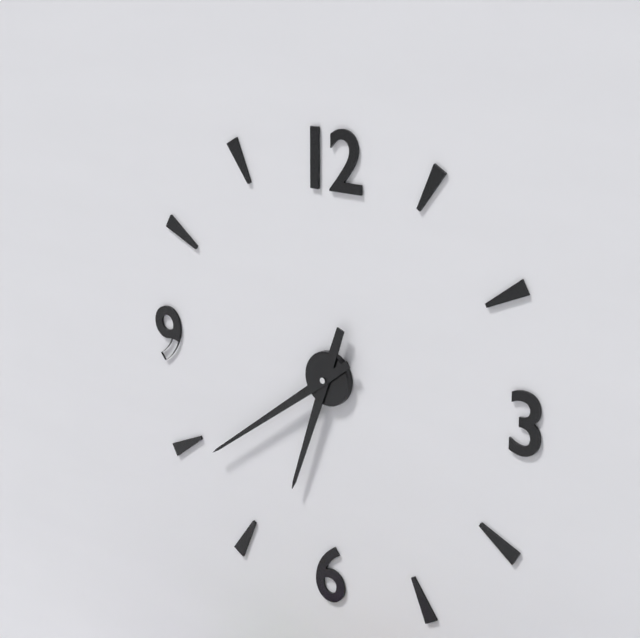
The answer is 6.39
